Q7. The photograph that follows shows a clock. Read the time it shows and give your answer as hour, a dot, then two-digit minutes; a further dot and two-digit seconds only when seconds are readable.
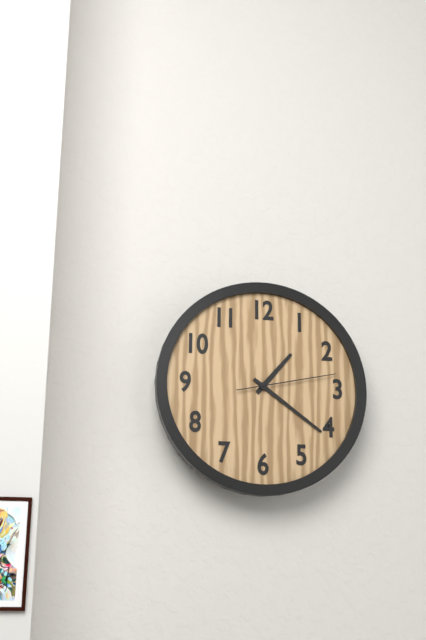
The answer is 1.21.13
